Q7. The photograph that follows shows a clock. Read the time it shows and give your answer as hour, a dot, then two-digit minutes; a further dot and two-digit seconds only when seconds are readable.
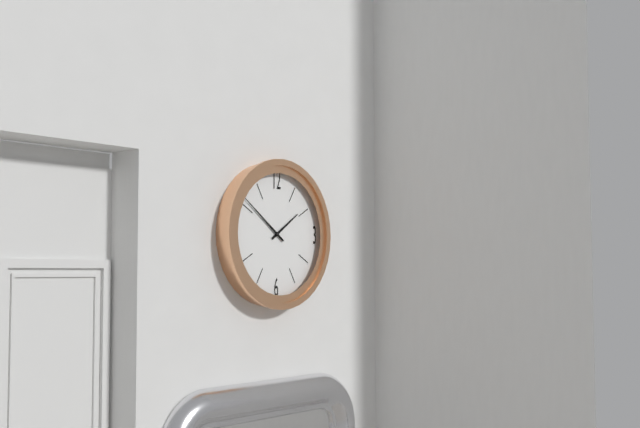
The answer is 1.51
